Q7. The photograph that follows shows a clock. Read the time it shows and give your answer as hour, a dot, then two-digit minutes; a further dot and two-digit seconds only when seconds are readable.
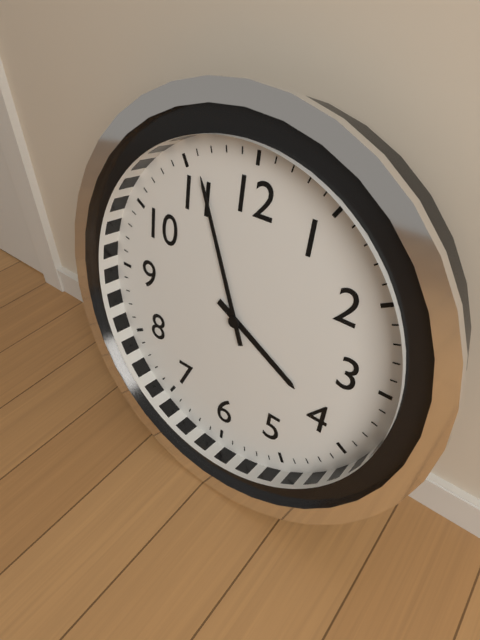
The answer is 3.56
